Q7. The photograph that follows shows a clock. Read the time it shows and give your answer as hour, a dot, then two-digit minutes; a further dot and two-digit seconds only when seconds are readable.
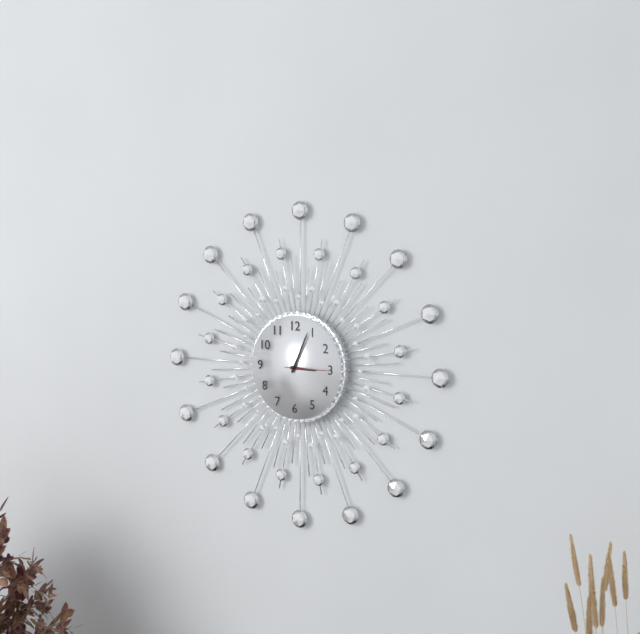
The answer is 3.04
